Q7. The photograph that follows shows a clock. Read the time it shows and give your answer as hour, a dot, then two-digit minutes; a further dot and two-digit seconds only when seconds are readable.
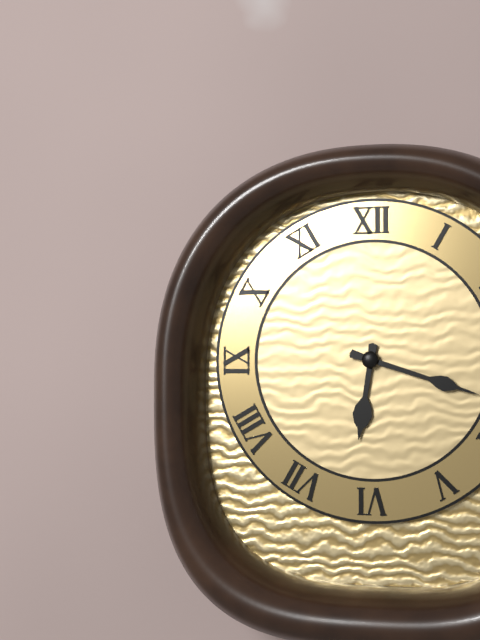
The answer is 6.18
